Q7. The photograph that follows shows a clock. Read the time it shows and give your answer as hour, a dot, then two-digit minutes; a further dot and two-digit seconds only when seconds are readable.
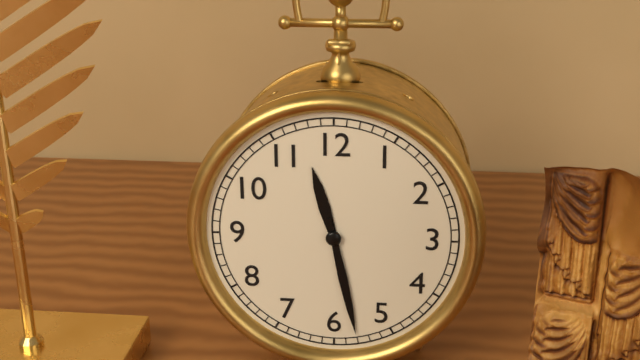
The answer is 11.28
